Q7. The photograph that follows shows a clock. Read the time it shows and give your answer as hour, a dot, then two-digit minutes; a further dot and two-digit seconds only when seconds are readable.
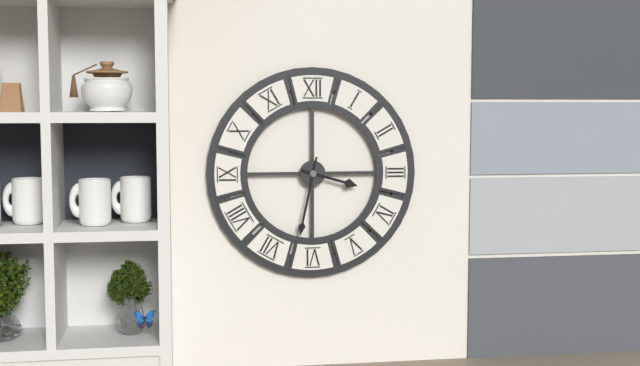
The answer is 3.32
